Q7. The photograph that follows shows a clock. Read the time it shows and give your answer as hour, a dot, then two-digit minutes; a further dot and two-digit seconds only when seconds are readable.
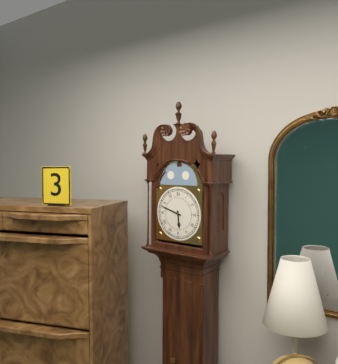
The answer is 5.48
